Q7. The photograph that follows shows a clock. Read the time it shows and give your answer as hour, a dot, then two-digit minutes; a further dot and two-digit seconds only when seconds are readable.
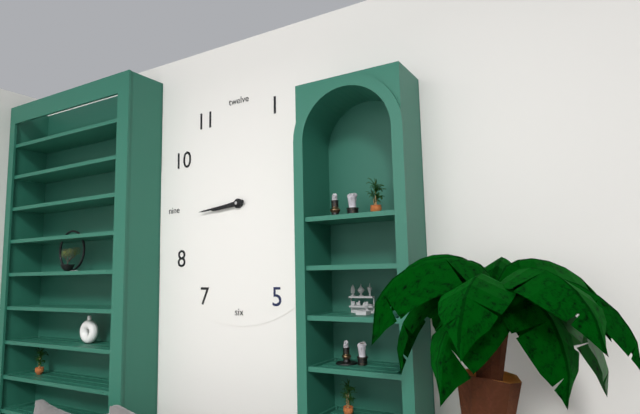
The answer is 8.44
